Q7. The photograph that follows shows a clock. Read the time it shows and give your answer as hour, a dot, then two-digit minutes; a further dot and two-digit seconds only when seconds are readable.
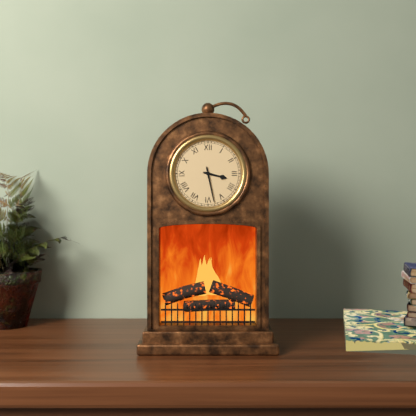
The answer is 3.28
